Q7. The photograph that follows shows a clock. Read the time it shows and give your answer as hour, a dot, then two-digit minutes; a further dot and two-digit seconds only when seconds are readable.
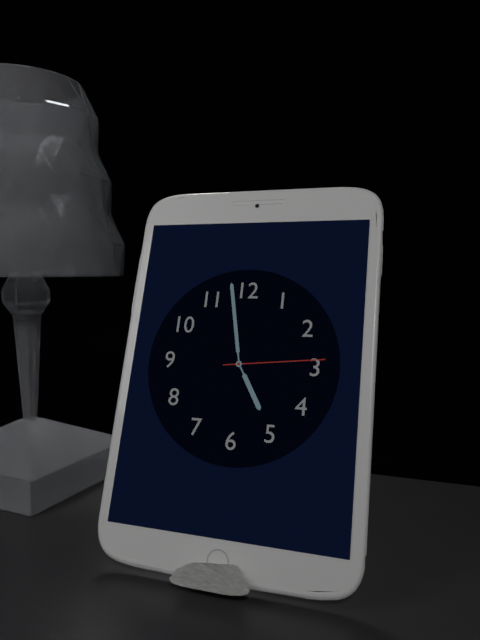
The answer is 4.58.14
